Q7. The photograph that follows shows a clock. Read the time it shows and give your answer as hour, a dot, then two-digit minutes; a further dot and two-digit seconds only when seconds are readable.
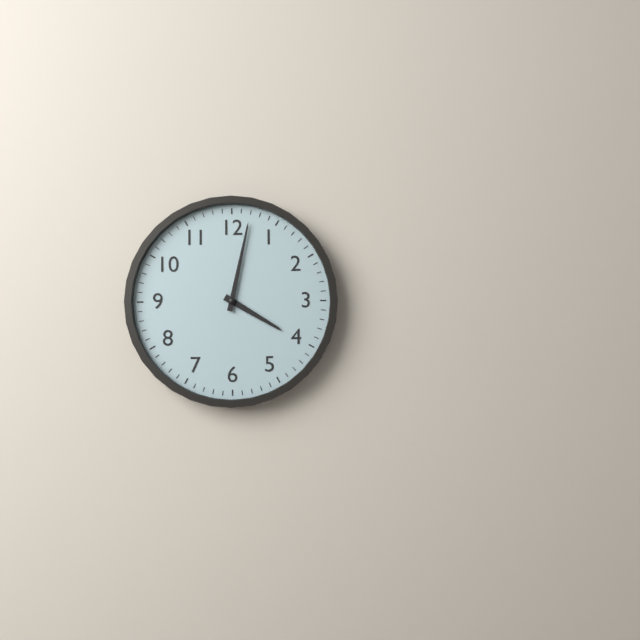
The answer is 4.02
